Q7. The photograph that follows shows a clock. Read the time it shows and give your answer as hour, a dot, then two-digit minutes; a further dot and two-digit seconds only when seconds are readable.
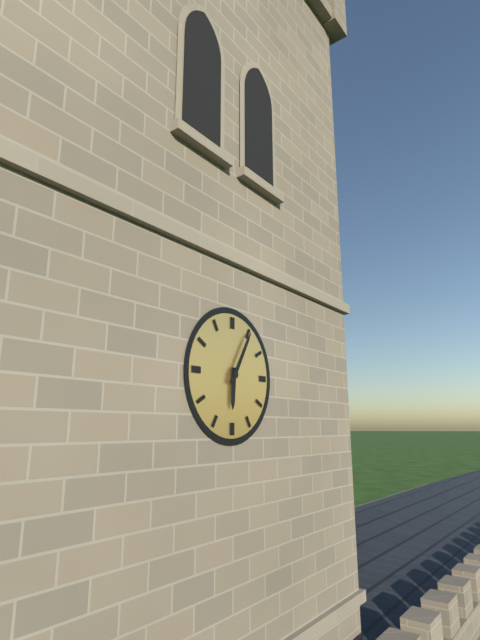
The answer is 6.05
